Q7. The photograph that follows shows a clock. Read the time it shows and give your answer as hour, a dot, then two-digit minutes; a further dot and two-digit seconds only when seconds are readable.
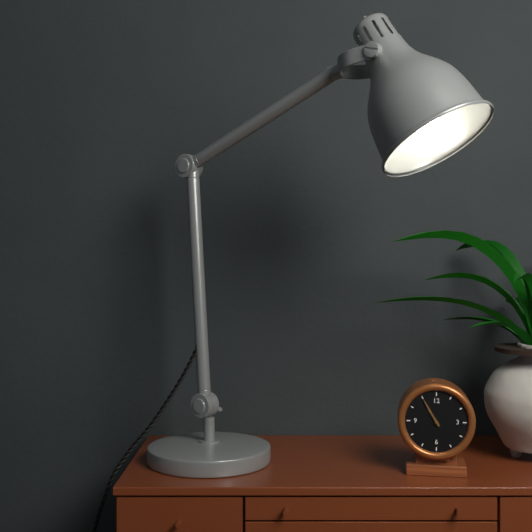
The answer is 10.55
